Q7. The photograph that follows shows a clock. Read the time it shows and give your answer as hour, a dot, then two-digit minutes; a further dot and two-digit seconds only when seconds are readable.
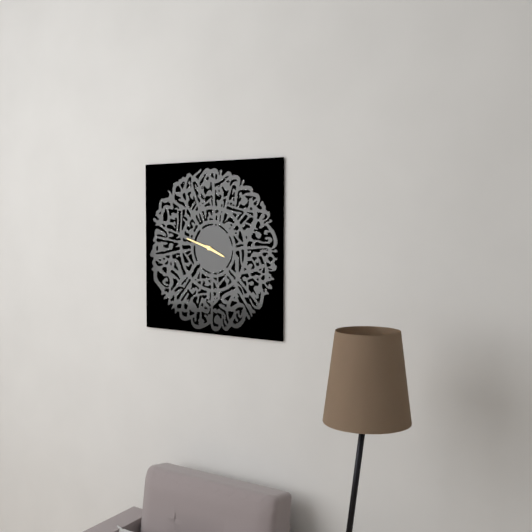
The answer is 3.48
